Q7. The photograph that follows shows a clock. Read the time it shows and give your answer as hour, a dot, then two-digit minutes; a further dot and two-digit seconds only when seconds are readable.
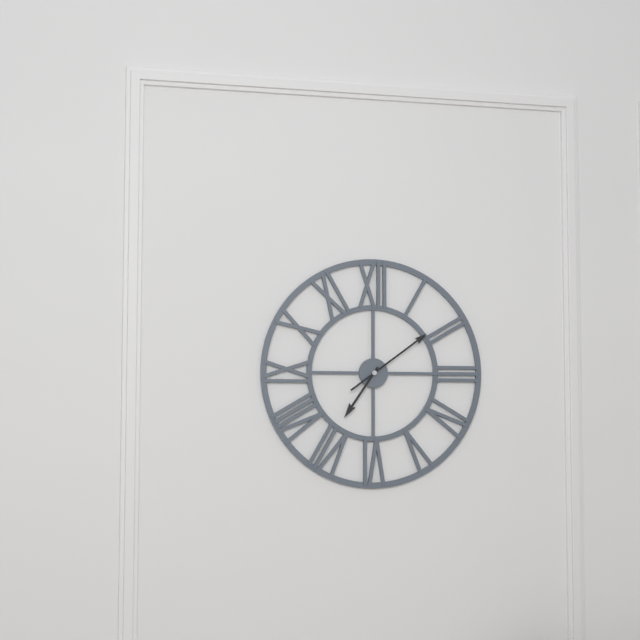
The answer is 7.09
